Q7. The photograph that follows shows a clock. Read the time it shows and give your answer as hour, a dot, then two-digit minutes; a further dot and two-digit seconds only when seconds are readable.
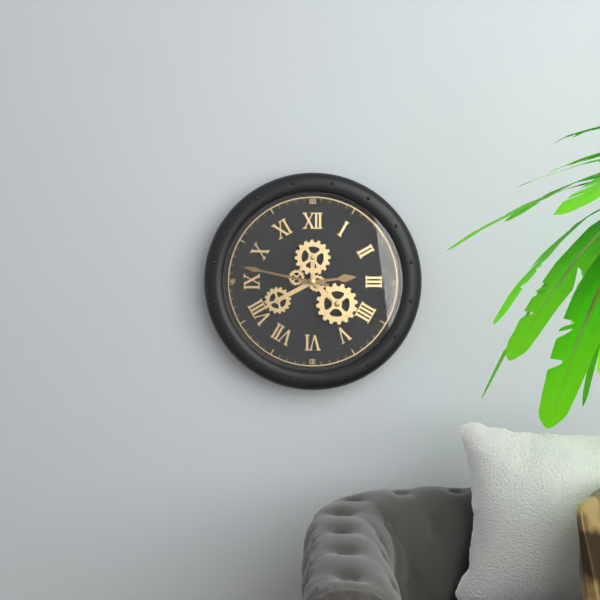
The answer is 2.47
